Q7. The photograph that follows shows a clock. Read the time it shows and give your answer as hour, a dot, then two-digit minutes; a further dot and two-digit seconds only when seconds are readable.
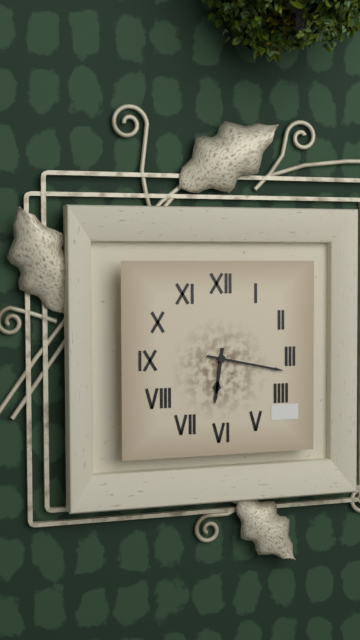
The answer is 6.17
